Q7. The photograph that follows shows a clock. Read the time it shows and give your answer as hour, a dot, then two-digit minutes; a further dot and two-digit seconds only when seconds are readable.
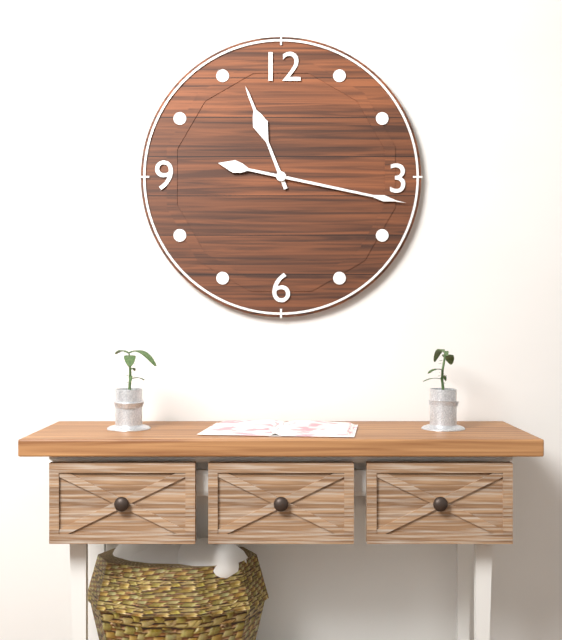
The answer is 11.17
